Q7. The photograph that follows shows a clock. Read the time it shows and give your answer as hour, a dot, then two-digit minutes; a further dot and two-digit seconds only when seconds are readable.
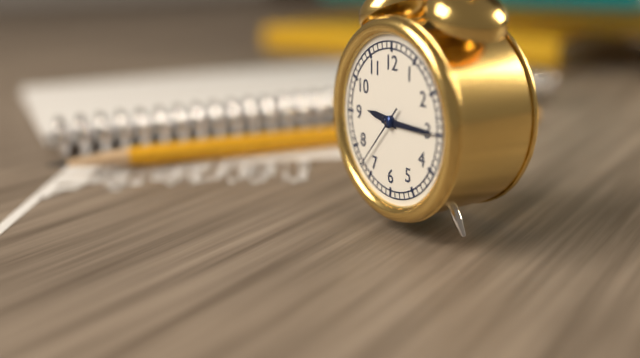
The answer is 9.15.37
